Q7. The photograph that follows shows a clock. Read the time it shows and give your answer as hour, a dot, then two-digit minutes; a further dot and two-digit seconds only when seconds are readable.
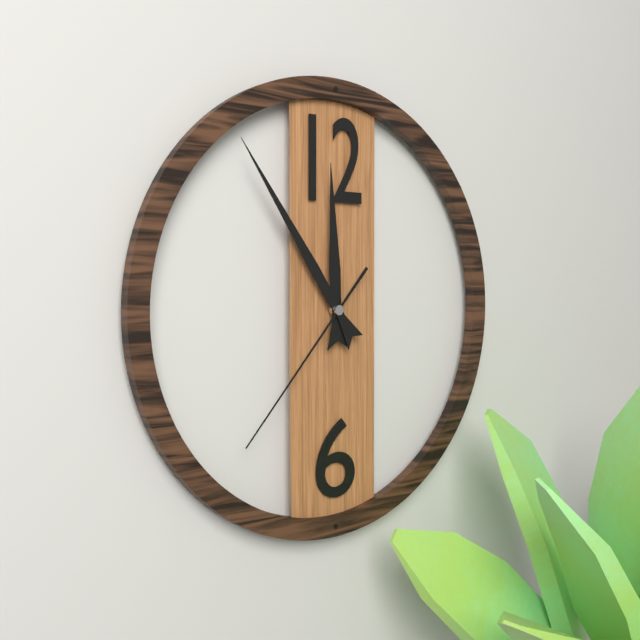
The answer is 11.54.37
